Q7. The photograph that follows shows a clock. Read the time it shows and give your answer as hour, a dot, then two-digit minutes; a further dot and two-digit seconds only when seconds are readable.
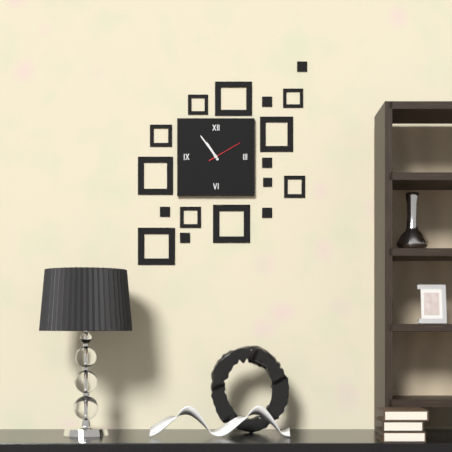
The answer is 10.54
